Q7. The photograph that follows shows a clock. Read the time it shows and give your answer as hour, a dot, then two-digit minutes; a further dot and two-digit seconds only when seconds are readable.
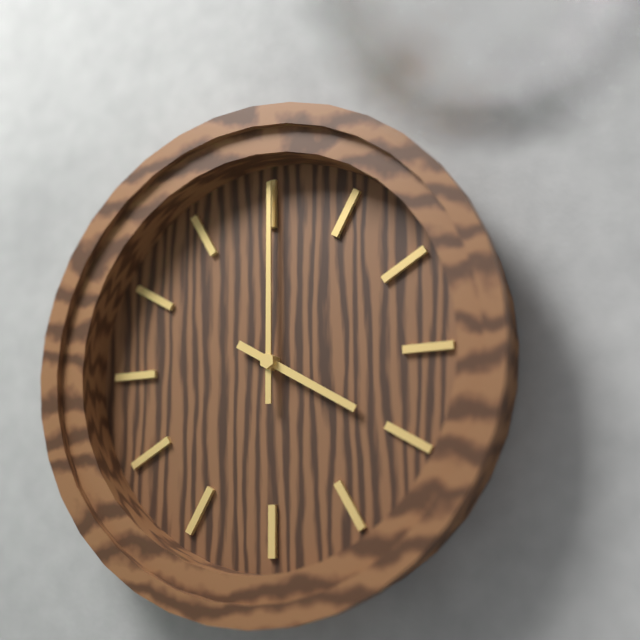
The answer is 4.00
